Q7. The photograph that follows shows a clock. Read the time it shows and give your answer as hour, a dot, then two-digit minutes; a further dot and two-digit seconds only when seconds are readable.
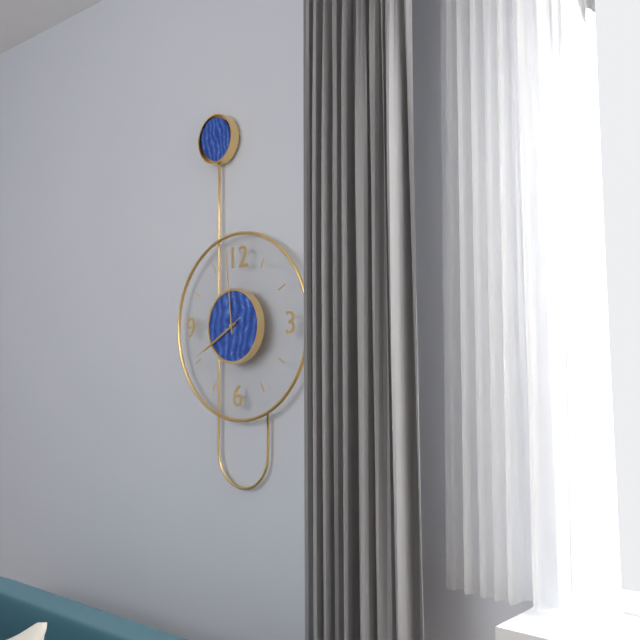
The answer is 7.59.40
